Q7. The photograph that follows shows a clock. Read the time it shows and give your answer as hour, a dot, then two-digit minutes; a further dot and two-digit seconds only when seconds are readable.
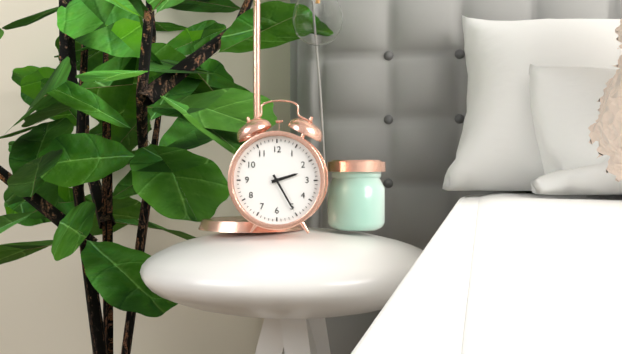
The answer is 2.25
